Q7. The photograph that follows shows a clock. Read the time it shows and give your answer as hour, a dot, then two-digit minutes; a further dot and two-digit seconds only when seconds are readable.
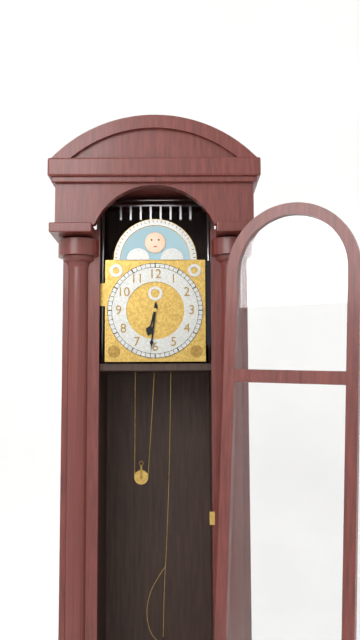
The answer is 6.31
